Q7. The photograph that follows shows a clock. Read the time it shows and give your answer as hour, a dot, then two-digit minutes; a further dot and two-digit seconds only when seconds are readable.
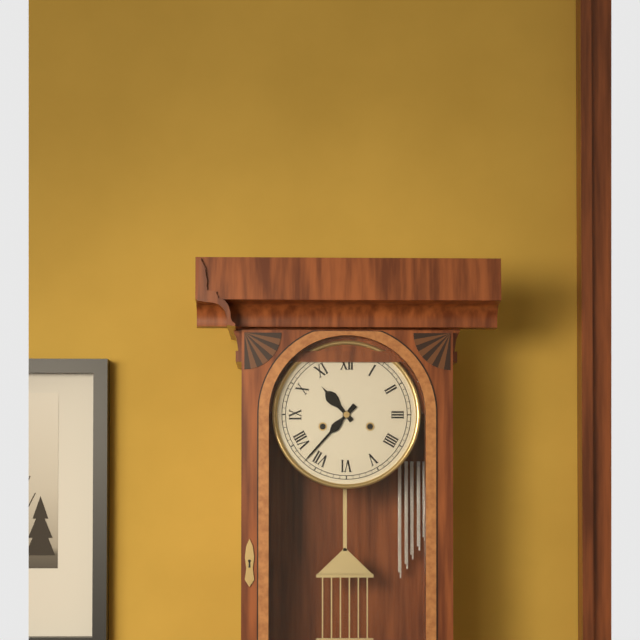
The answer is 10.37
